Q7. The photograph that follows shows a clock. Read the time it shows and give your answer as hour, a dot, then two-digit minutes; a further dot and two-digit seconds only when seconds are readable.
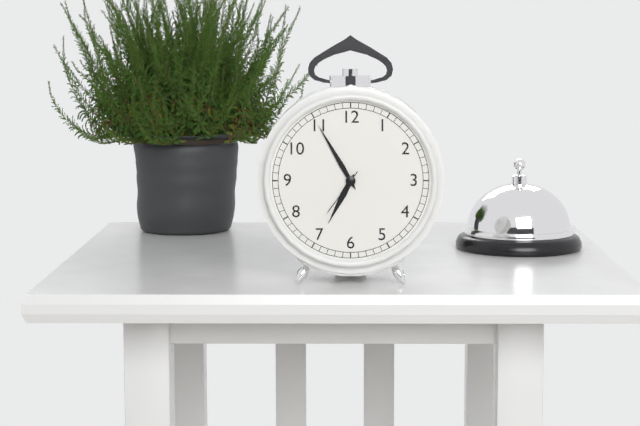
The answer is 6.55.36
